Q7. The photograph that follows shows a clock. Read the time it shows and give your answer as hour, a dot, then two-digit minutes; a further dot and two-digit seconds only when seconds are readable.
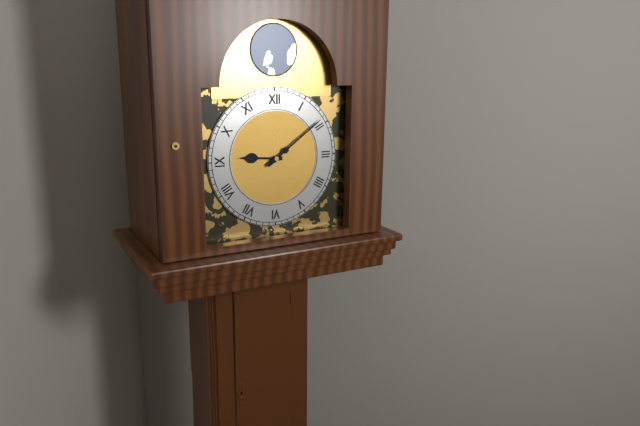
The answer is 9.09
